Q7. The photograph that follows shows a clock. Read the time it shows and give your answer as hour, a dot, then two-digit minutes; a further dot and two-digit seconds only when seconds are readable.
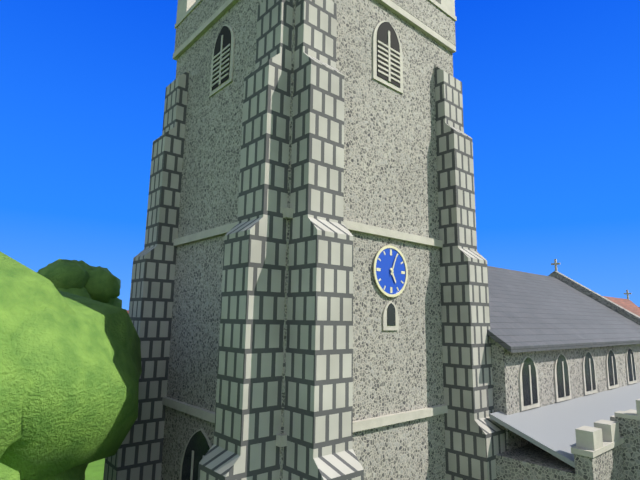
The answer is 5.04
